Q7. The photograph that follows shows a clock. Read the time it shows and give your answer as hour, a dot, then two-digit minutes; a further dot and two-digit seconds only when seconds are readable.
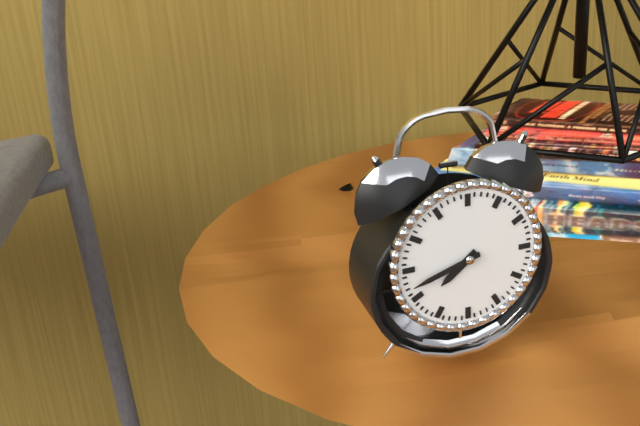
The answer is 7.42
